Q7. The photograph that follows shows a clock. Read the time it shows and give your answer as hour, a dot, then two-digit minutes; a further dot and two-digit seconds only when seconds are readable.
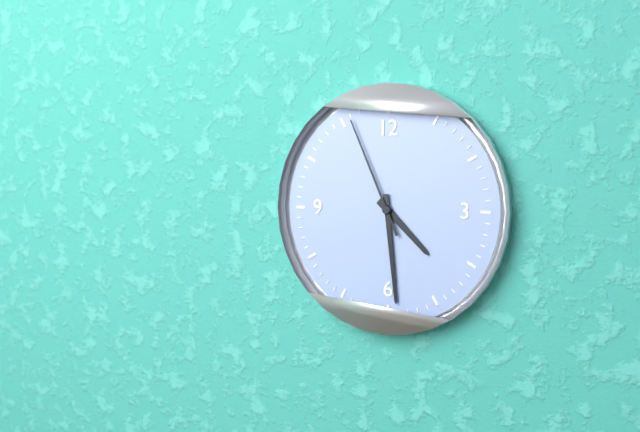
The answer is 4.29.56
